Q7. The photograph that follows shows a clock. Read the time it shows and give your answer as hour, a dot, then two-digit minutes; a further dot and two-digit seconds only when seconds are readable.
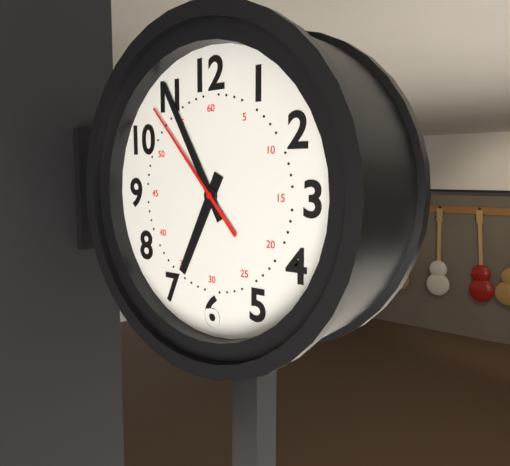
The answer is 6.55.53
